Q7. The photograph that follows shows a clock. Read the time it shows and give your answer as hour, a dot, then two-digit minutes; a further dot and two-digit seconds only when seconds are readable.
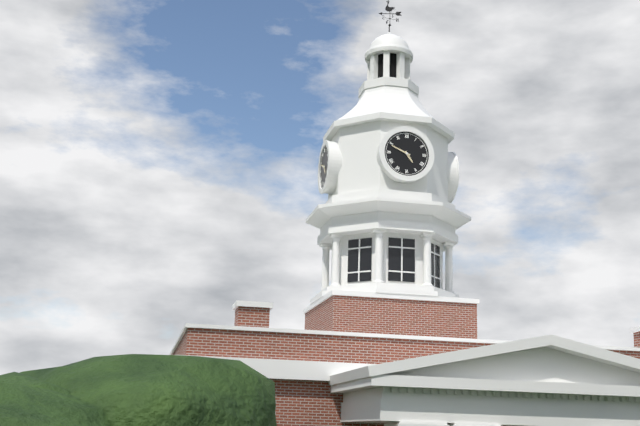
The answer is 4.49
